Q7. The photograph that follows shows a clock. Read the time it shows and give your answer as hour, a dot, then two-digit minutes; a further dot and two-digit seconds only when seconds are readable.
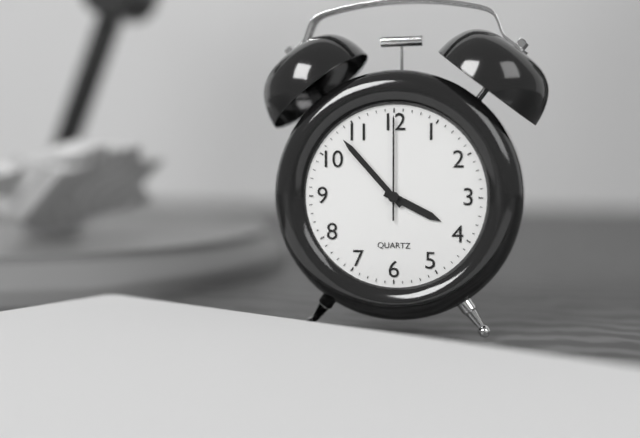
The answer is 3.53.00
